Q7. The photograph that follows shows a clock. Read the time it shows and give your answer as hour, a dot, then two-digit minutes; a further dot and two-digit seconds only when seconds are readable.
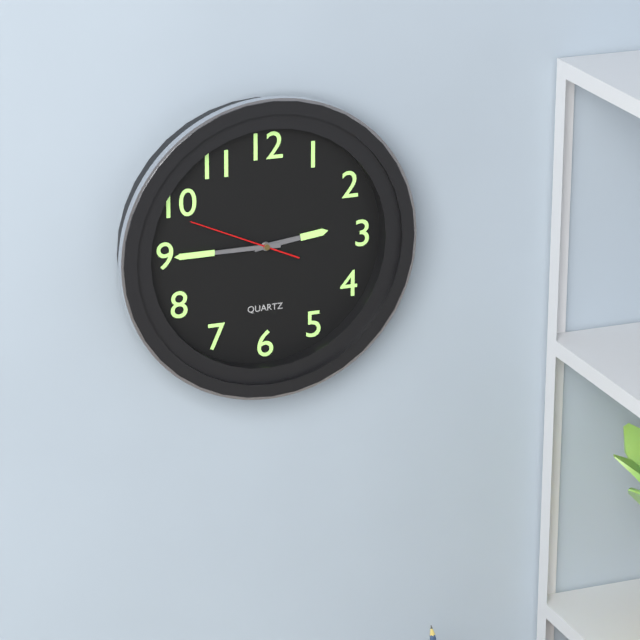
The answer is 2.45.49
